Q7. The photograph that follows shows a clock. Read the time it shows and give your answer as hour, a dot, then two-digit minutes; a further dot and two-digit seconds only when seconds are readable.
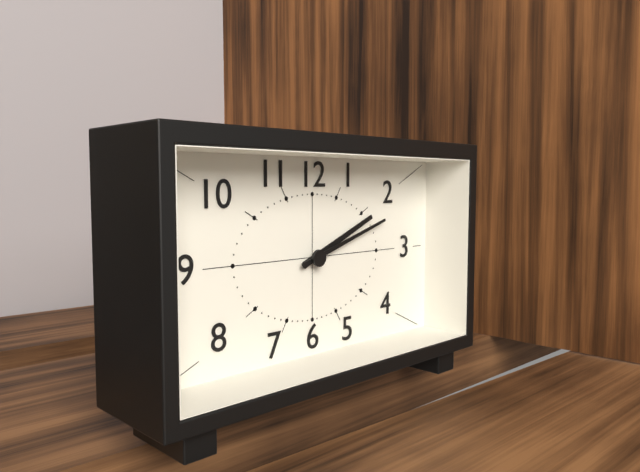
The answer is 2.12
